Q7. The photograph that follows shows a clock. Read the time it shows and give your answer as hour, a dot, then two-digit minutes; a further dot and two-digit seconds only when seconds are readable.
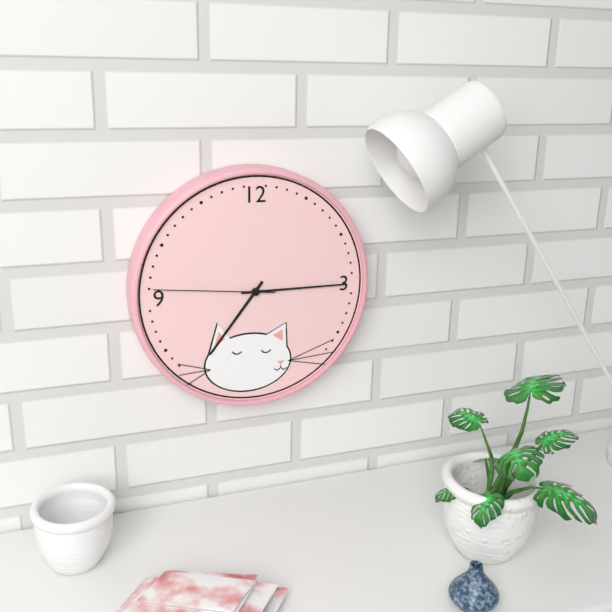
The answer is 7.15.46
